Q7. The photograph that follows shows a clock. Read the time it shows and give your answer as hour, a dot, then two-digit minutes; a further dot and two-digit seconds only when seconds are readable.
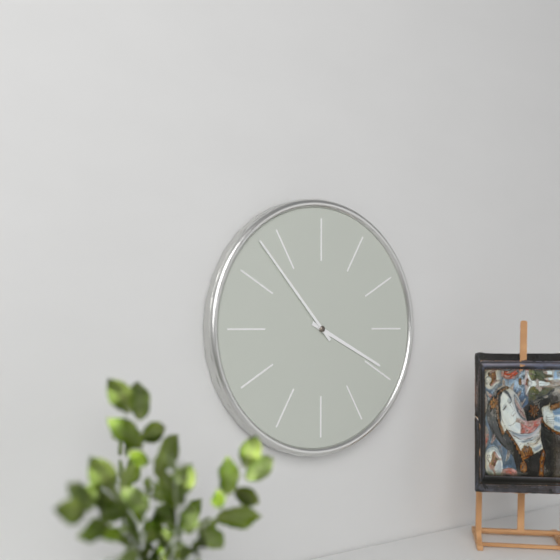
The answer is 3.53
